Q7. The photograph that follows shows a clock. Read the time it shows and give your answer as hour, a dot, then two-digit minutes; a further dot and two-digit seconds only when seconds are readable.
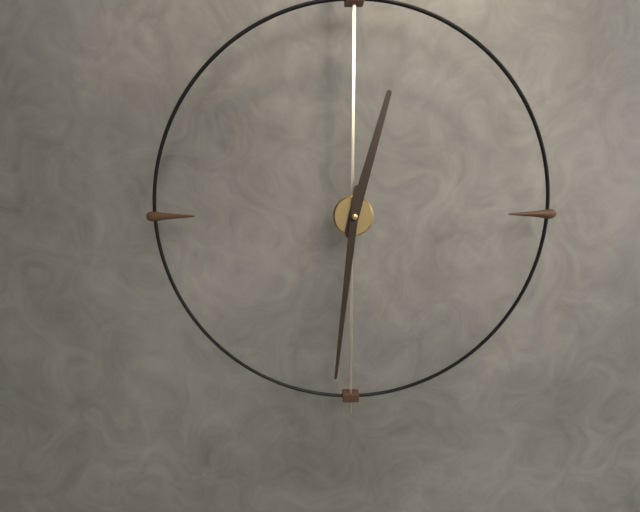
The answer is 12.31
